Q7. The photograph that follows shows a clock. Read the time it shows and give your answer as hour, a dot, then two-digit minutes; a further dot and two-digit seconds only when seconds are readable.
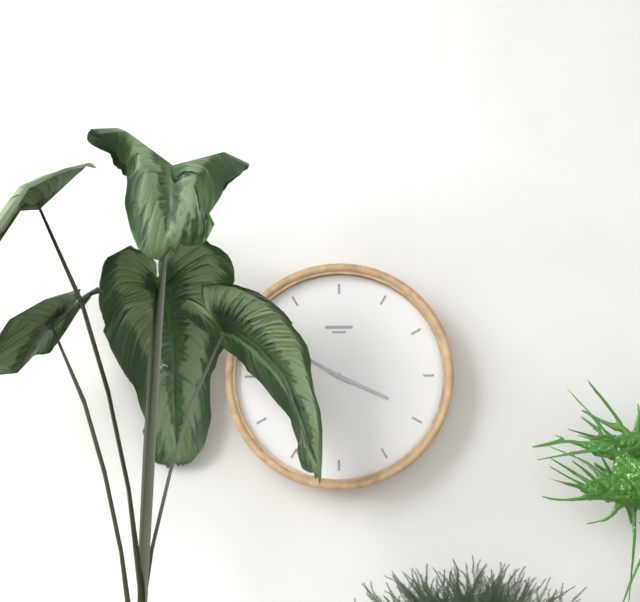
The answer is 3.50
